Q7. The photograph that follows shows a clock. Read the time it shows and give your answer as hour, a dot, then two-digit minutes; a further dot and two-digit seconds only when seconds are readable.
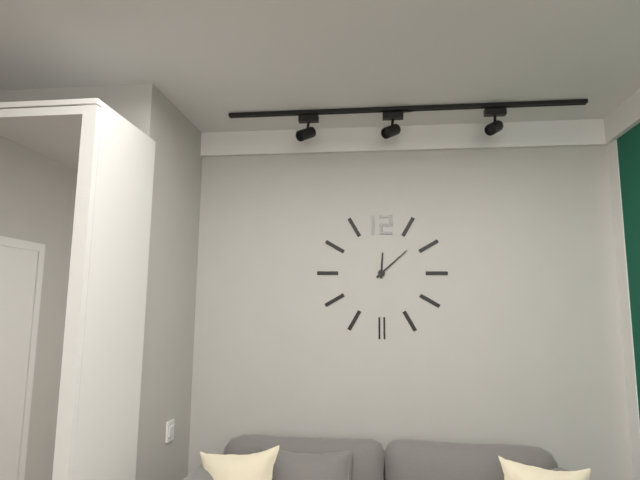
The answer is 12.08
